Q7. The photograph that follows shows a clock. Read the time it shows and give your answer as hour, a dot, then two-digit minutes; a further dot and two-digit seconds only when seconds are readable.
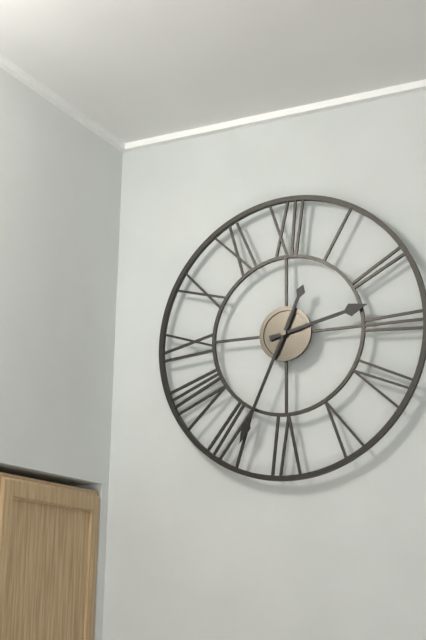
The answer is 2.34
